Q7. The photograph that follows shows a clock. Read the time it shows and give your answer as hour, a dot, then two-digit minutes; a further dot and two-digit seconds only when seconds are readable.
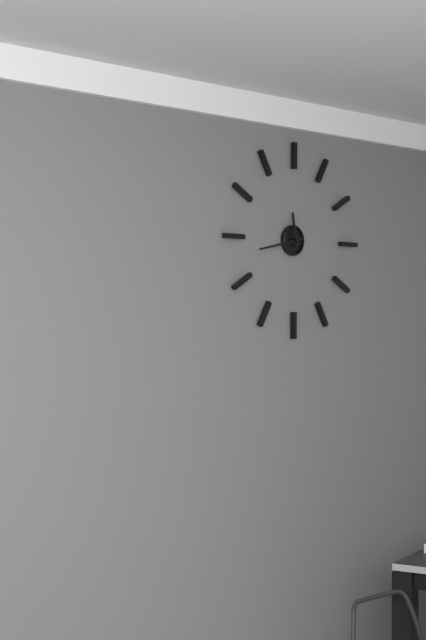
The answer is 11.43
